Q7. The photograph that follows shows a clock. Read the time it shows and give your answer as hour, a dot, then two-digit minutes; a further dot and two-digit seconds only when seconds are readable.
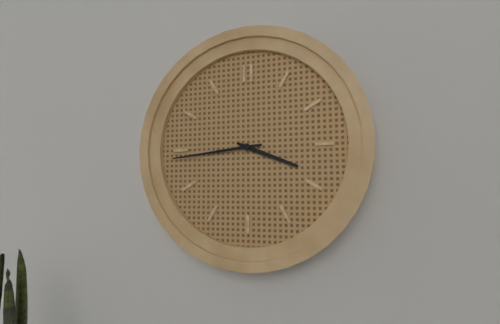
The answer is 3.44
